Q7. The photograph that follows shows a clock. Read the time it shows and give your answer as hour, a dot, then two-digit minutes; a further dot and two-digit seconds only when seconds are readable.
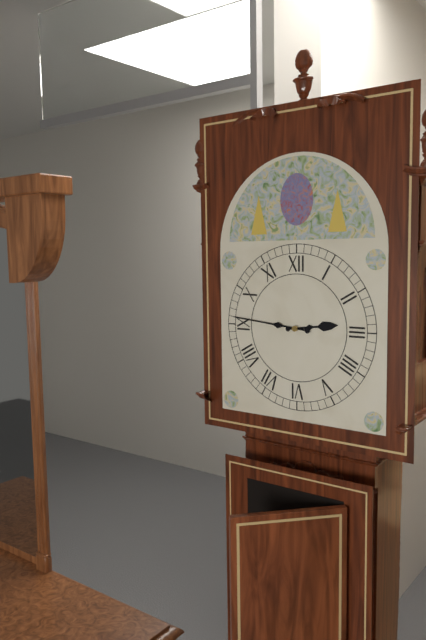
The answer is 2.46
